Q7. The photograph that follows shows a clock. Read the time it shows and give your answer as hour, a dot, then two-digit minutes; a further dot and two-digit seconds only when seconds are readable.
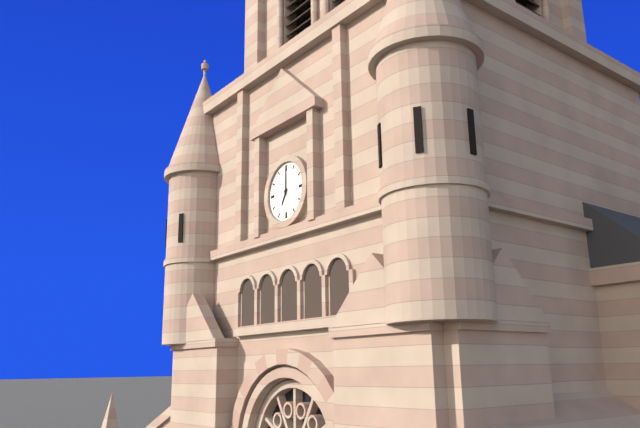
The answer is 7.00
